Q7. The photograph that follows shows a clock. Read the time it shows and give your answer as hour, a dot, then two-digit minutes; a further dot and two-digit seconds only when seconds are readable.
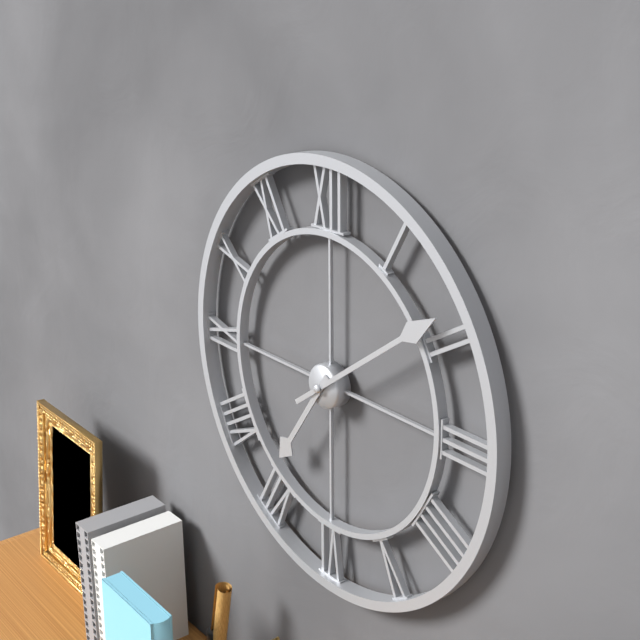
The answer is 7.09
